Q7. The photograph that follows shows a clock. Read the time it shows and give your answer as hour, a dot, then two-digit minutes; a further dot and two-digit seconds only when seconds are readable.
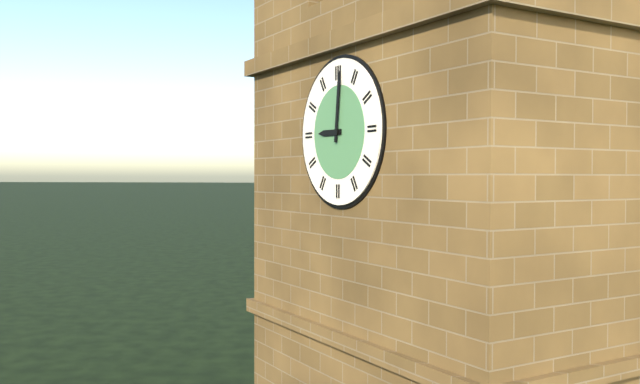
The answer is 9.01
